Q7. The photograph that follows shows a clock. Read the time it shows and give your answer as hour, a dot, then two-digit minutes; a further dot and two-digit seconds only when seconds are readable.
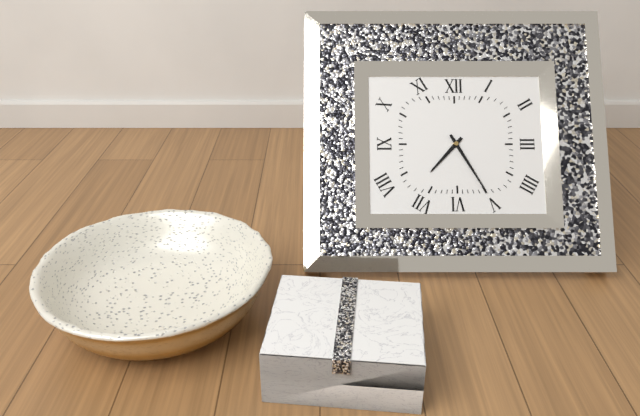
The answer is 7.25
